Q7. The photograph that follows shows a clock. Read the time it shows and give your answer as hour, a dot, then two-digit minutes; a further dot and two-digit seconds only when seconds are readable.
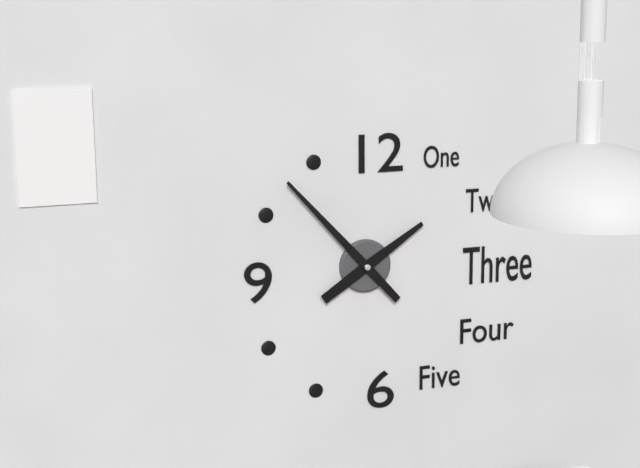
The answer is 1.53
